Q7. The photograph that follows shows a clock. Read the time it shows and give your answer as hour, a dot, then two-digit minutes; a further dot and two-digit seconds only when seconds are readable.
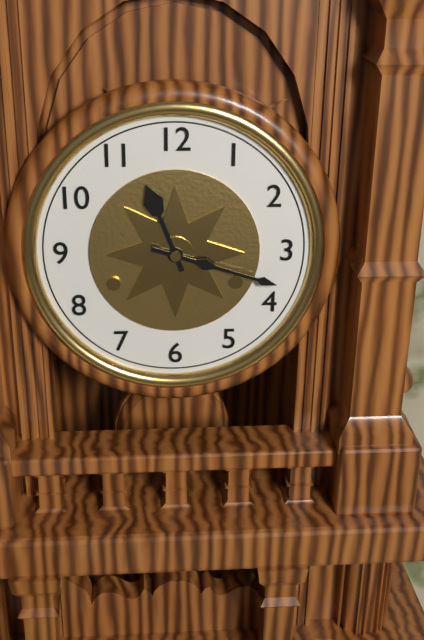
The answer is 11.18
